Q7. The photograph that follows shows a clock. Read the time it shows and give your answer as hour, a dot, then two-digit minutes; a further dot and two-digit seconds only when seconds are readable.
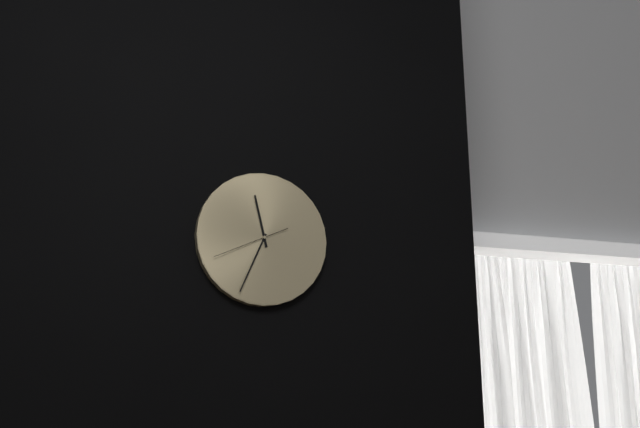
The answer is 11.34.41
